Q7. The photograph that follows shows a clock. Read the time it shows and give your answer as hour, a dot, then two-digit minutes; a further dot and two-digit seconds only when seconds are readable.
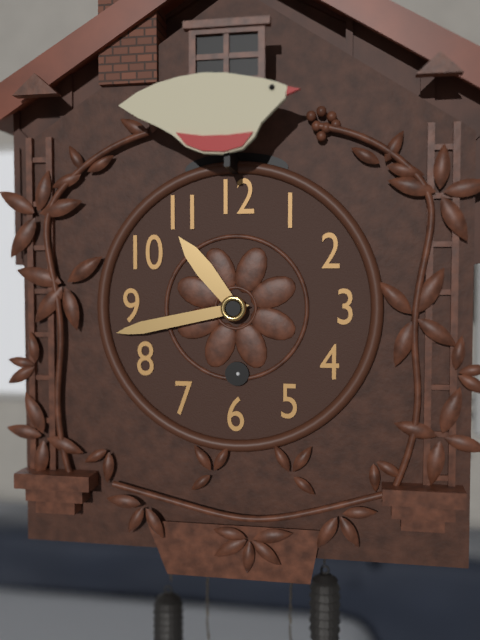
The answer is 10.43
